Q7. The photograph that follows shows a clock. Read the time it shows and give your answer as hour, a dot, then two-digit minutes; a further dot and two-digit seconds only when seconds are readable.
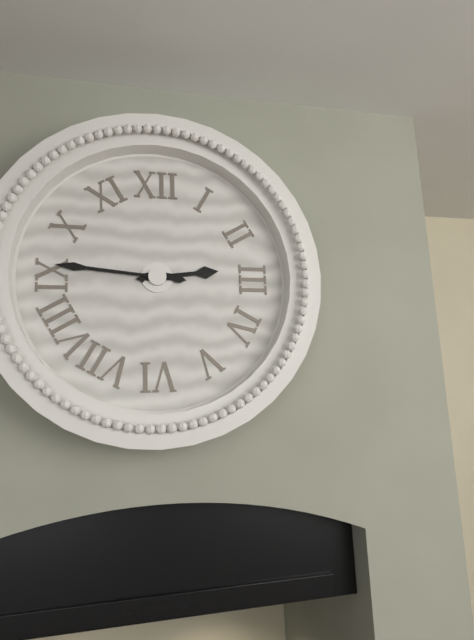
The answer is 2.46
